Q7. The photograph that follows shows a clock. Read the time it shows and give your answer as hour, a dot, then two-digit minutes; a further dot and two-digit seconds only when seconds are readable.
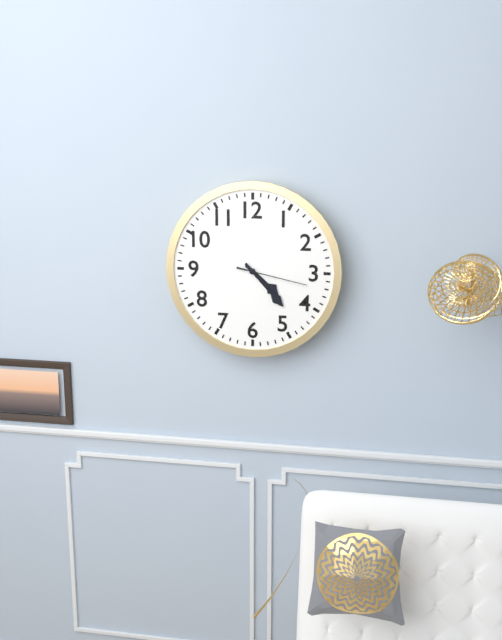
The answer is 4.23.17
